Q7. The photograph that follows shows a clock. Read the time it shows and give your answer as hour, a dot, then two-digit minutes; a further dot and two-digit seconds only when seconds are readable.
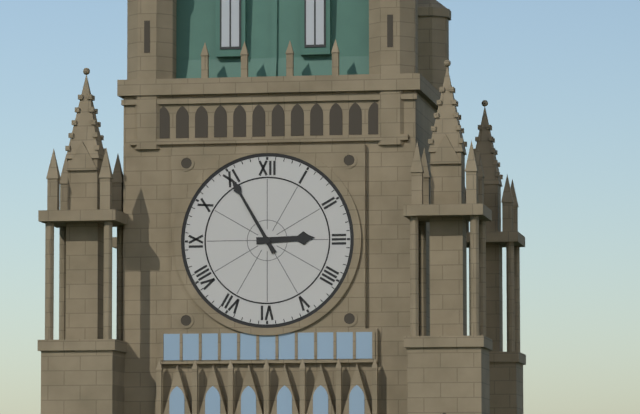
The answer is 2.55
